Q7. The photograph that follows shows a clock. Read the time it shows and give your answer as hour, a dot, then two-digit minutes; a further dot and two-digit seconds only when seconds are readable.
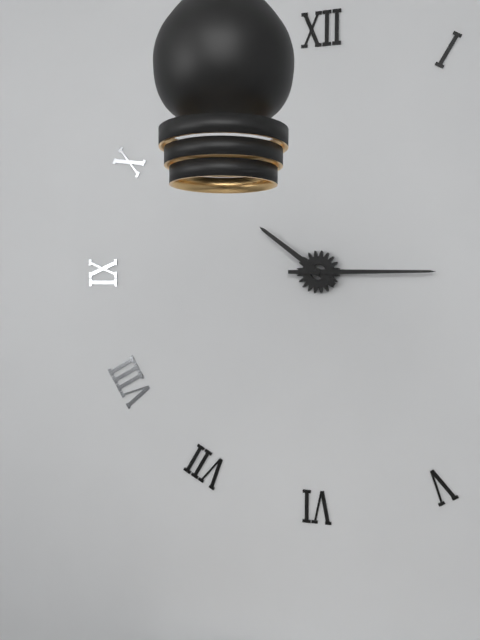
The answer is 10.15
